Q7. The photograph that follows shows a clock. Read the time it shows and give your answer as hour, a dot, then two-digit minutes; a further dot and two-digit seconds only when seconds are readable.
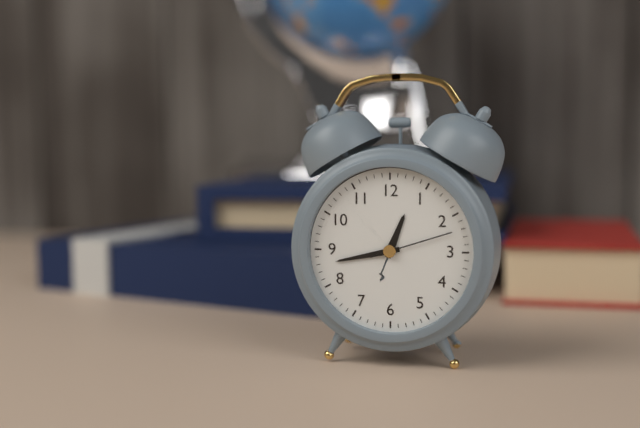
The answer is 12.43.12
